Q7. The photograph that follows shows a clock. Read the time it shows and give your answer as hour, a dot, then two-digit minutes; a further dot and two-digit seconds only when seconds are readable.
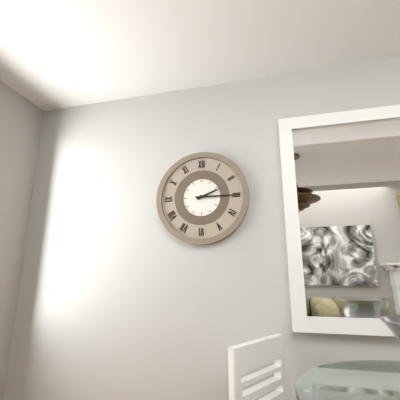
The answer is 2.15
